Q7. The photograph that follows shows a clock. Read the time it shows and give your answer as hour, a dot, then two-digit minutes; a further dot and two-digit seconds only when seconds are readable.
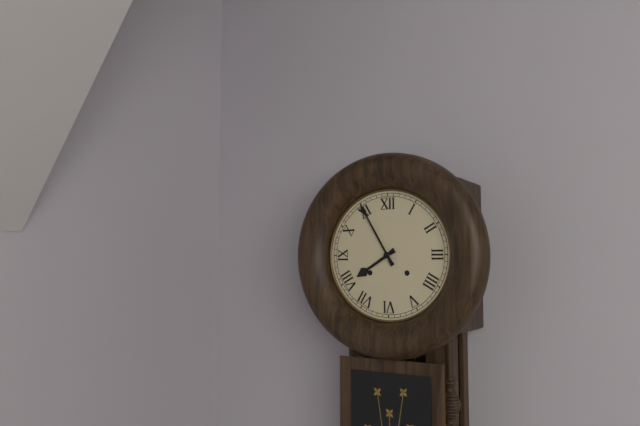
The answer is 7.55
